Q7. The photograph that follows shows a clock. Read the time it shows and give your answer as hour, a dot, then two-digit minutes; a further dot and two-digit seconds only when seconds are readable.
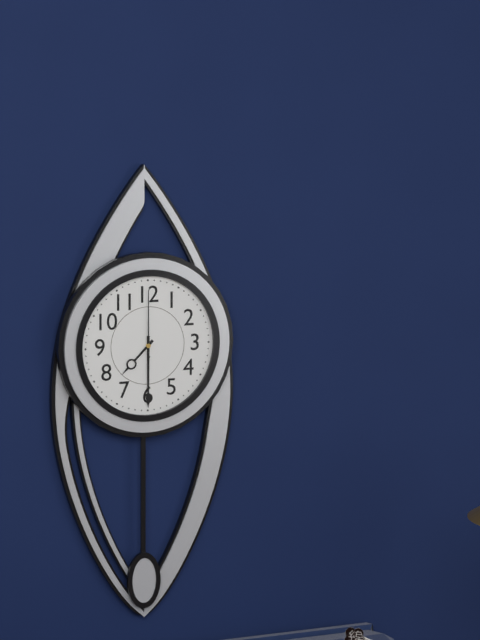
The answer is 7.30.00
